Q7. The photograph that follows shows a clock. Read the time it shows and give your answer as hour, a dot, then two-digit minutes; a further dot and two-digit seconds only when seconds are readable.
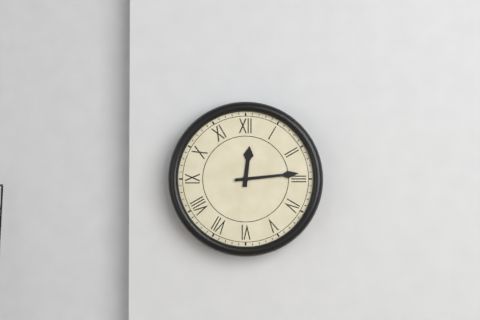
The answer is 12.14
